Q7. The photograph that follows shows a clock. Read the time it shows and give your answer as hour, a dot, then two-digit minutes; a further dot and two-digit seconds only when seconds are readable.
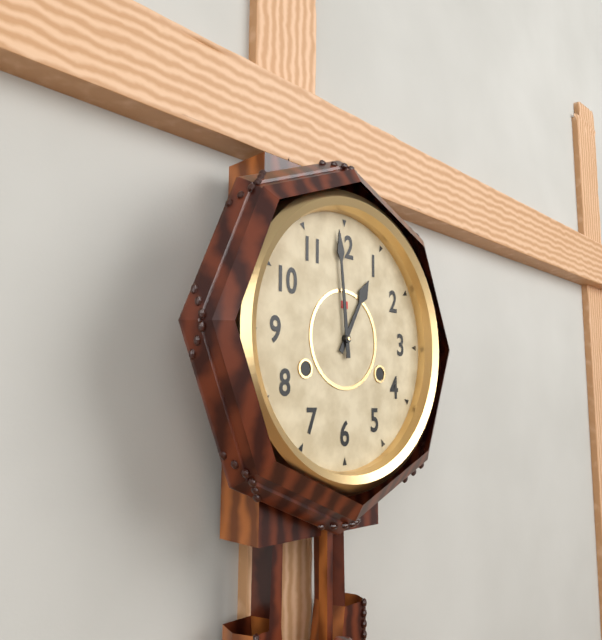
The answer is 12.59
